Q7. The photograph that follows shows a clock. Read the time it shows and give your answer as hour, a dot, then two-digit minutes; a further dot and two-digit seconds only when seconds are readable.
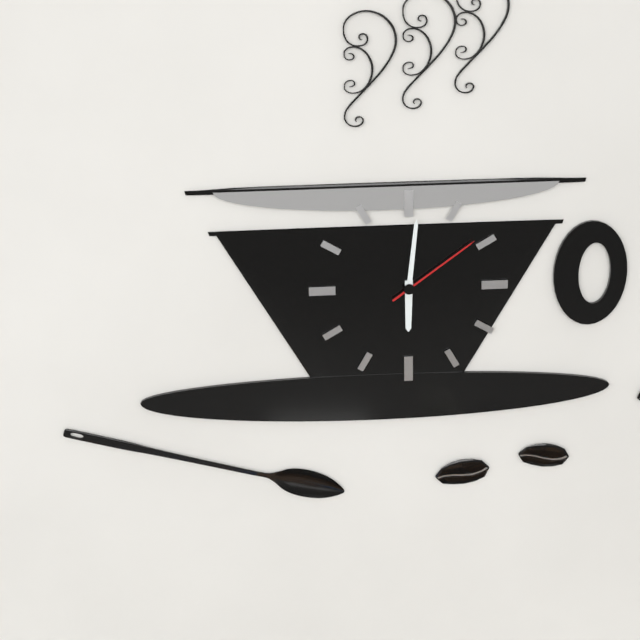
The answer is 6.01.09
